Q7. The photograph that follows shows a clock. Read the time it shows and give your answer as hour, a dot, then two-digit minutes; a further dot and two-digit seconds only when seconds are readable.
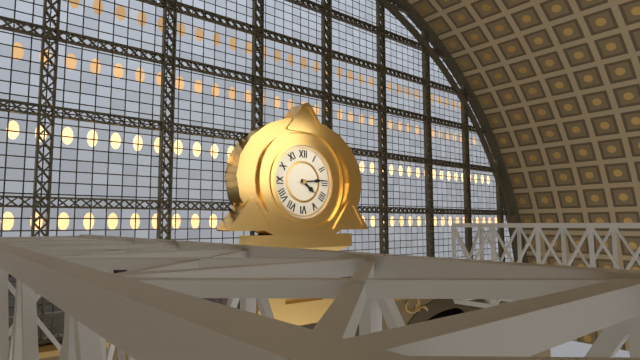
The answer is 4.14
